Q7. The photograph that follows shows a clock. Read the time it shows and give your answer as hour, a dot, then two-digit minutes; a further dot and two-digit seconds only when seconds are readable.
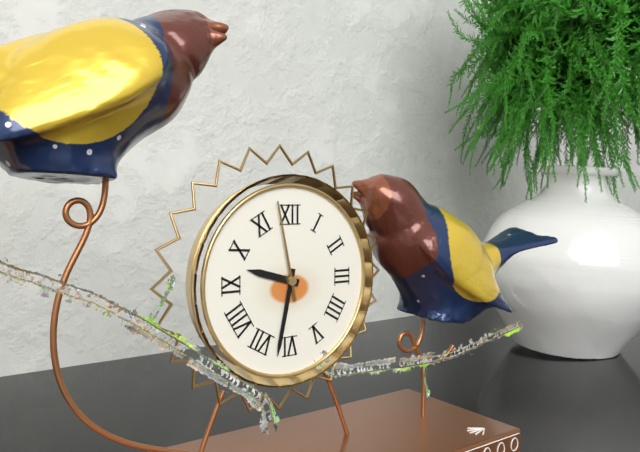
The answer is 9.32.58
